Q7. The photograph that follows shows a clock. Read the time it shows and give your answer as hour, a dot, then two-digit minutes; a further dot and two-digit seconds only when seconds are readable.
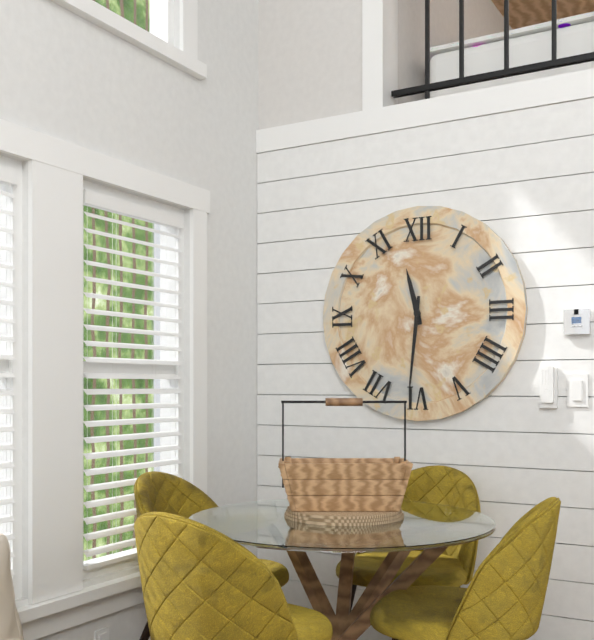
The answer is 11.31
